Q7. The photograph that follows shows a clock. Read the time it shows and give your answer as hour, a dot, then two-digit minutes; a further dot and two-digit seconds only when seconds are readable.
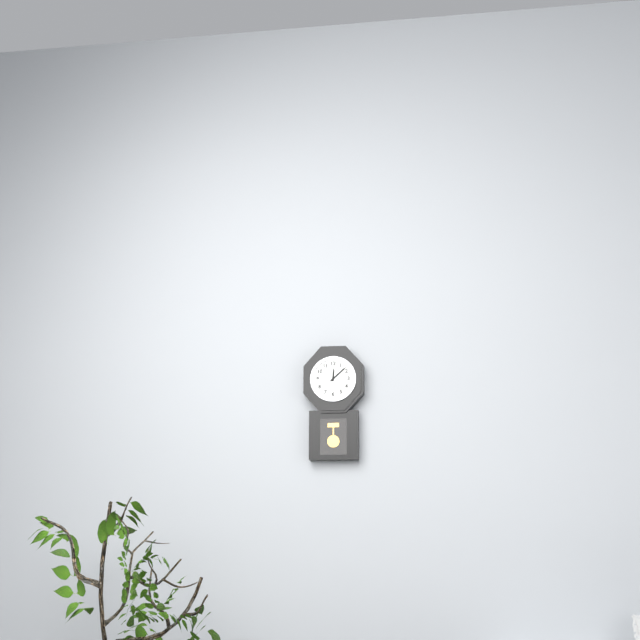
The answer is 12.08
